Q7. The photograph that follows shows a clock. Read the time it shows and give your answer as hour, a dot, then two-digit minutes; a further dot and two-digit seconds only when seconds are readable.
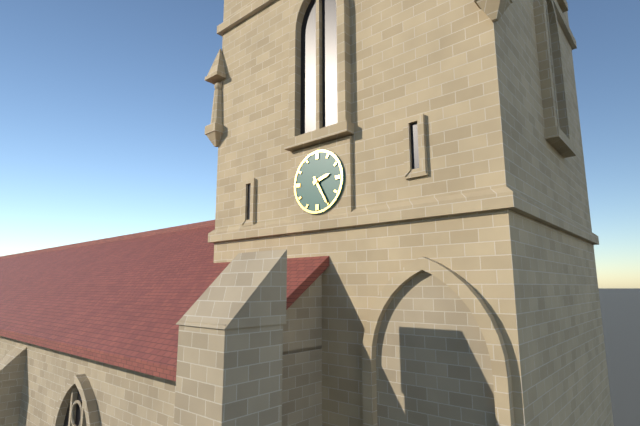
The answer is 2.25
